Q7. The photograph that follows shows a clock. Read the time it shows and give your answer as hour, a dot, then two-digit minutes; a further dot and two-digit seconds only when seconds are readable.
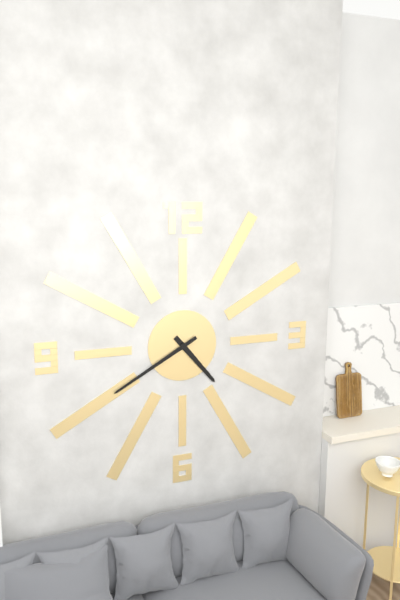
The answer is 4.40
